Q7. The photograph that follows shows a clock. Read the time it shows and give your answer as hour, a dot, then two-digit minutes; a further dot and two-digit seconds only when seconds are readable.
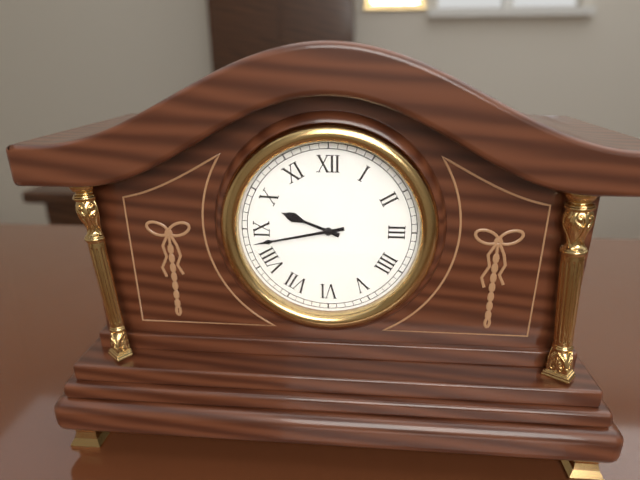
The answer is 9.43
